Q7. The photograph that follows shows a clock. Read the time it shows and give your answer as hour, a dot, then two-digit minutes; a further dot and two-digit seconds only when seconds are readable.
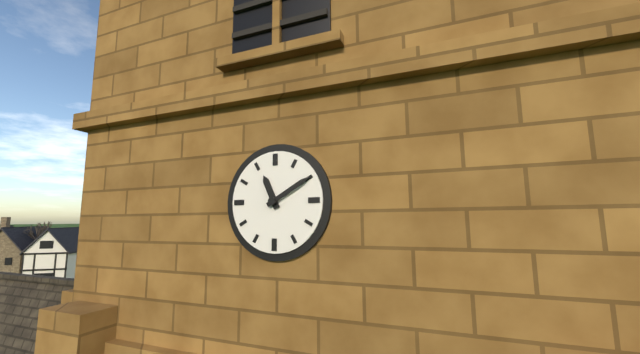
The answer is 11.10
